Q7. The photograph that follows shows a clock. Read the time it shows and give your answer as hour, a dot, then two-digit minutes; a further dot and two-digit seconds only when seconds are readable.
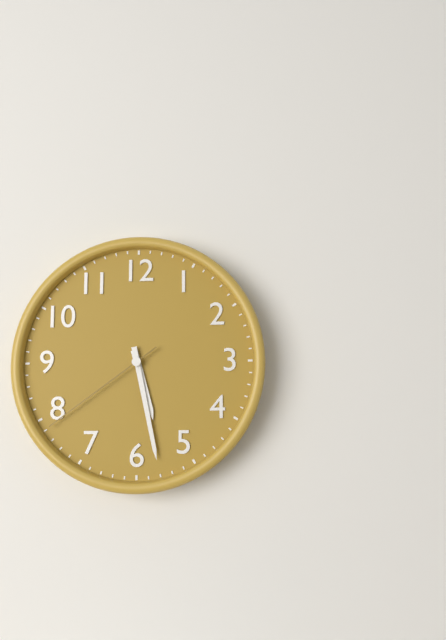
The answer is 5.28.39
